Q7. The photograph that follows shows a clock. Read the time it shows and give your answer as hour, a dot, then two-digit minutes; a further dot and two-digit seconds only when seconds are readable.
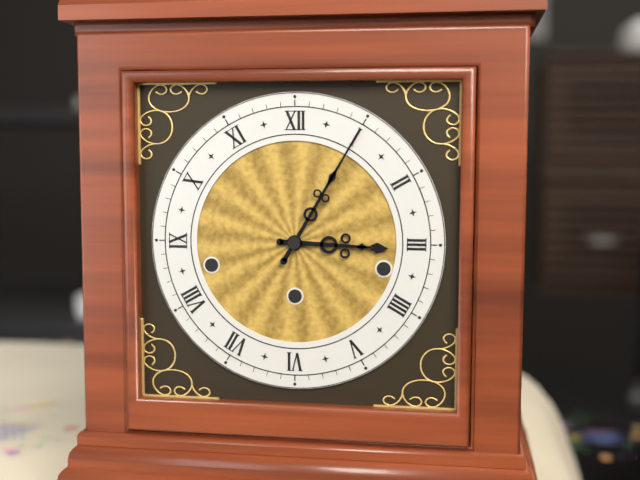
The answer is 3.05
